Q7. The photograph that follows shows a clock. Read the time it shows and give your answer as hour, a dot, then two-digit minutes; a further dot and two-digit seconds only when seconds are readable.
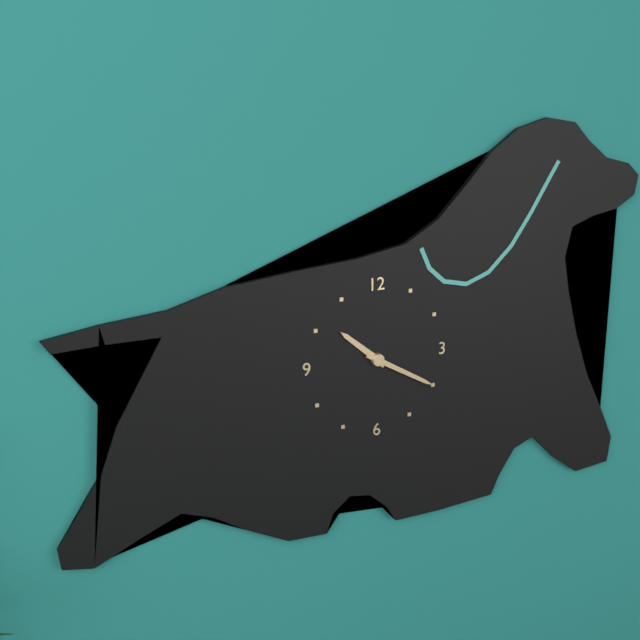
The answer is 10.20
